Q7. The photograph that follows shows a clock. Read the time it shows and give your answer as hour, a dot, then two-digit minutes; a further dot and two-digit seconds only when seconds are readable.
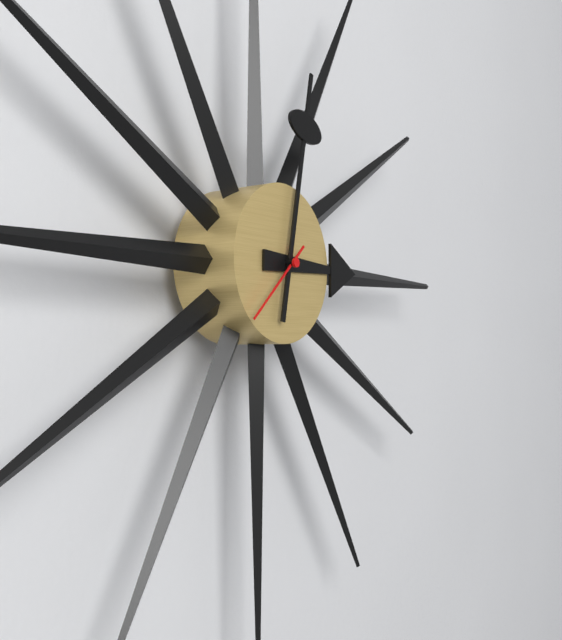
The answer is 3.02.38
